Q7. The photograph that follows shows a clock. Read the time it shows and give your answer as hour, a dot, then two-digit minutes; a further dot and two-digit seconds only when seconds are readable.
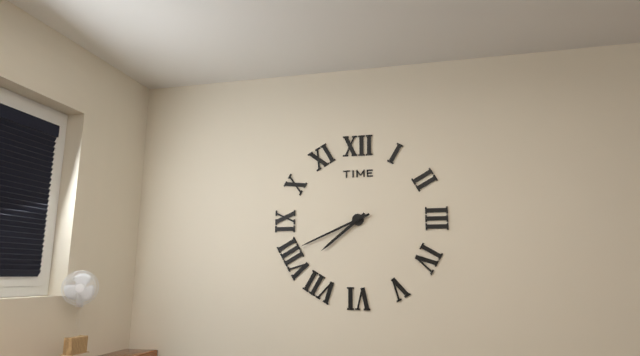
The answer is 7.41
